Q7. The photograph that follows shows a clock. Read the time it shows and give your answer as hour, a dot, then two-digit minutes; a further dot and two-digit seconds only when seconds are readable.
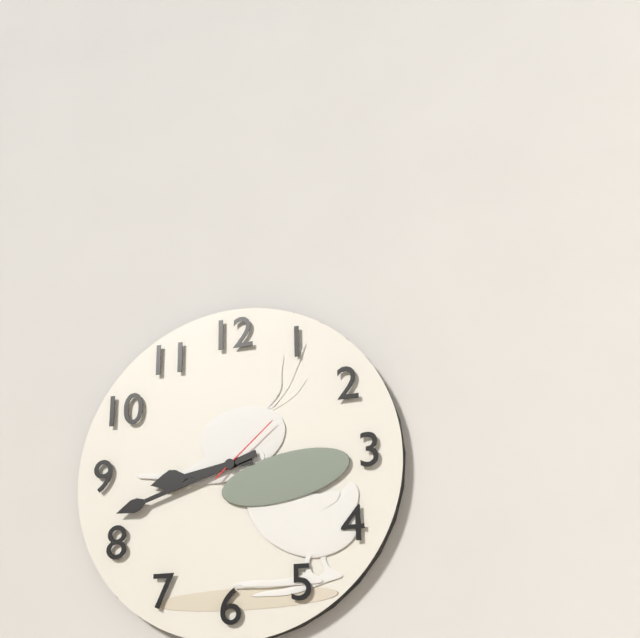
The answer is 8.42.08
